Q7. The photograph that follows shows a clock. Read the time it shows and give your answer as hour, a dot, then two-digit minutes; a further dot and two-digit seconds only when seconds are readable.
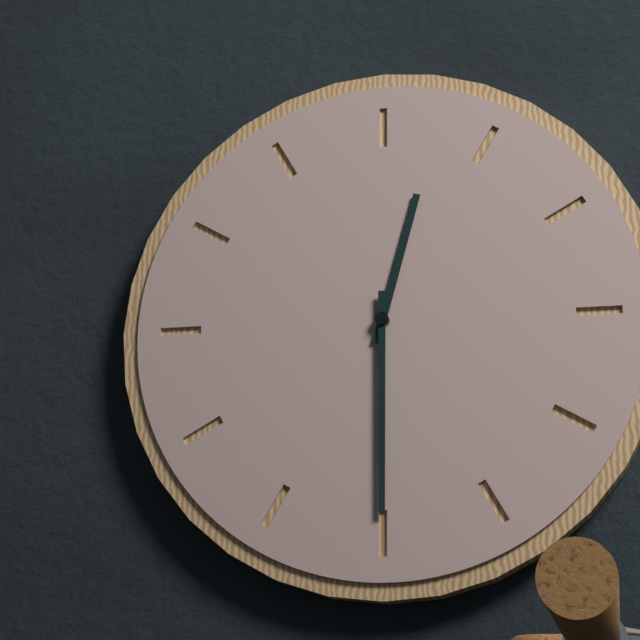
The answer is 12.30
